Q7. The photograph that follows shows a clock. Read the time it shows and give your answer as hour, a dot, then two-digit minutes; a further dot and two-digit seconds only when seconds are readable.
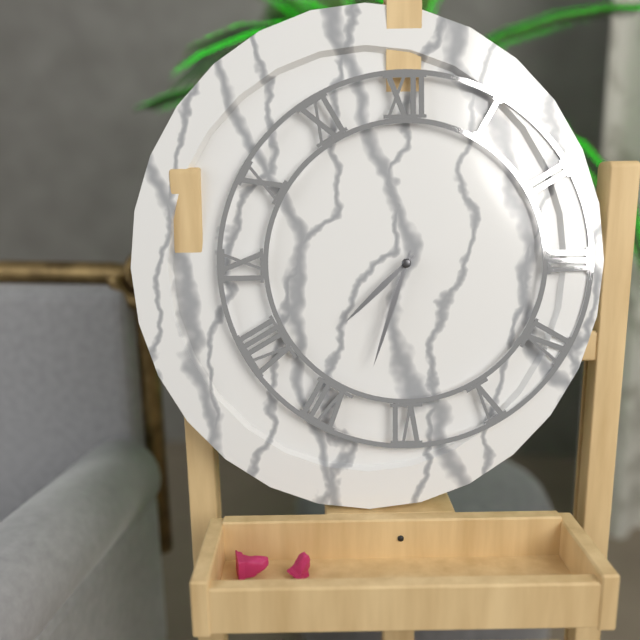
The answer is 7.33
